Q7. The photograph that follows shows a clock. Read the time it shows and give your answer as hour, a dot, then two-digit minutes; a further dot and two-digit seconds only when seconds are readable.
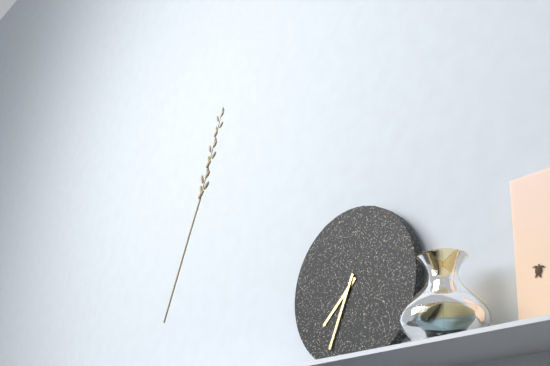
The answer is 7.34
